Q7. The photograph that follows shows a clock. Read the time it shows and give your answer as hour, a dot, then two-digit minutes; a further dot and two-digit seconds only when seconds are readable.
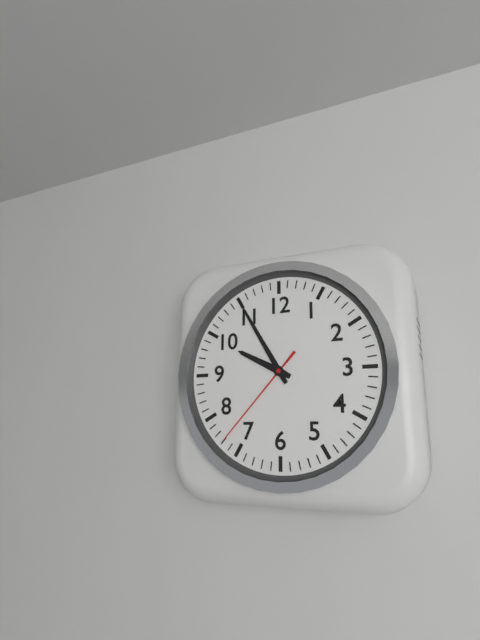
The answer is 9.55.37
